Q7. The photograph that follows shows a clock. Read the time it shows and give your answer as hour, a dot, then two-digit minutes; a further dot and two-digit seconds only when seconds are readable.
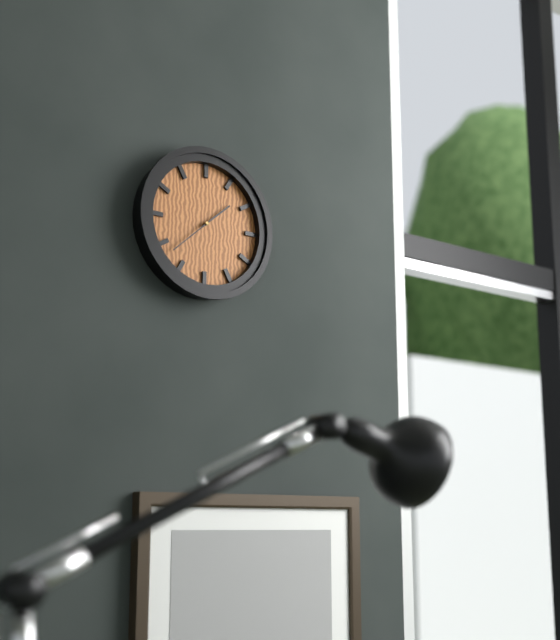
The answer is 1.38
